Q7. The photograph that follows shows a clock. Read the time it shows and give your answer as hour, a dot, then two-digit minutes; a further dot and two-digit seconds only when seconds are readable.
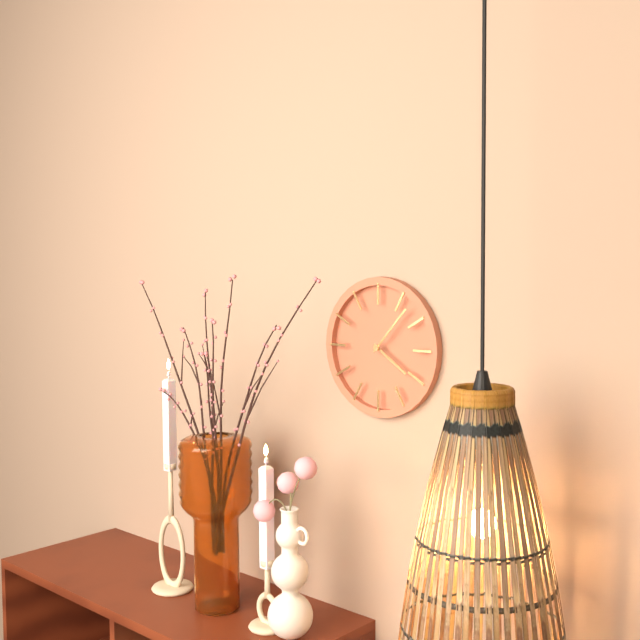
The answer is 4.07
